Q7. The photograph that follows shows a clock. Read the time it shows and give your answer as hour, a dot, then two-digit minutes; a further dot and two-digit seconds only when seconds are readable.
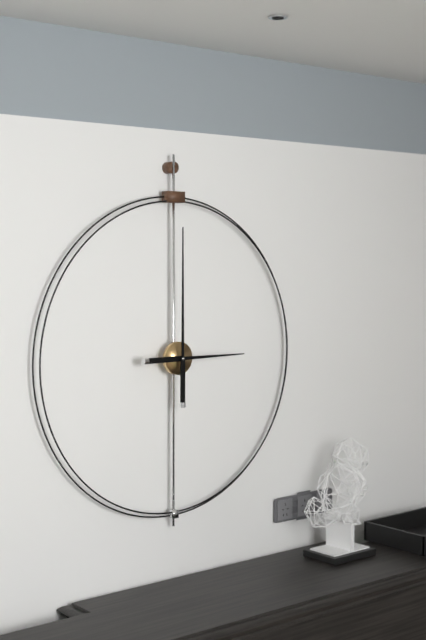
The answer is 3.00
